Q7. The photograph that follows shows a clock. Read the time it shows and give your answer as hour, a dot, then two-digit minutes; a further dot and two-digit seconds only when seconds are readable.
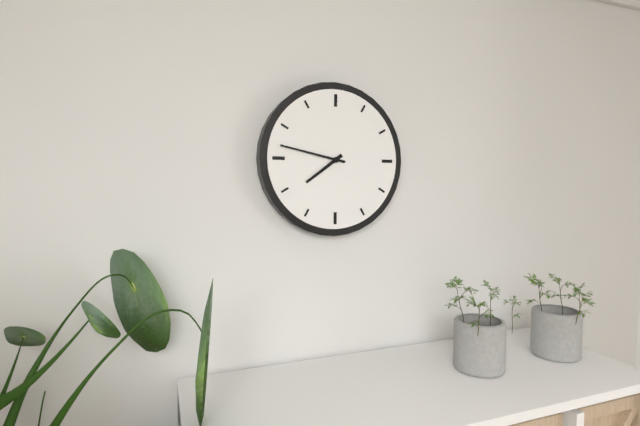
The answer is 7.47
